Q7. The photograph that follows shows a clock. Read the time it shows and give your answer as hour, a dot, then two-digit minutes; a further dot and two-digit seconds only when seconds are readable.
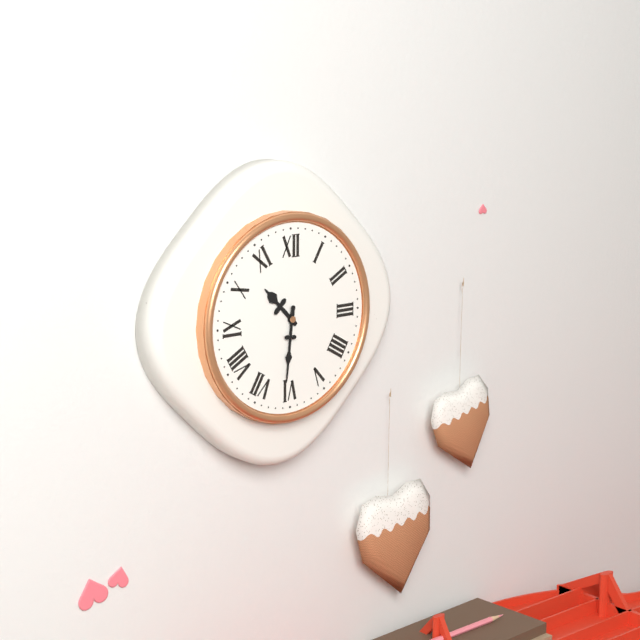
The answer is 10.31
